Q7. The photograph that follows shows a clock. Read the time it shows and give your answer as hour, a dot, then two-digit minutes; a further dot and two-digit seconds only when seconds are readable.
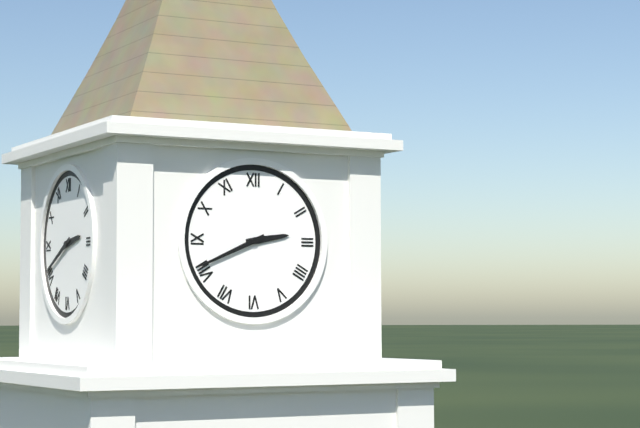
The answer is 2.41
